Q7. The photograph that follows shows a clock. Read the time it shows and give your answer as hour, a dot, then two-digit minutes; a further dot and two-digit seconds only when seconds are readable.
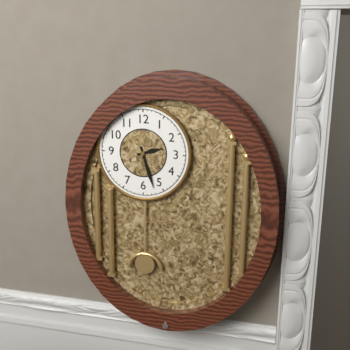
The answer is 2.27
